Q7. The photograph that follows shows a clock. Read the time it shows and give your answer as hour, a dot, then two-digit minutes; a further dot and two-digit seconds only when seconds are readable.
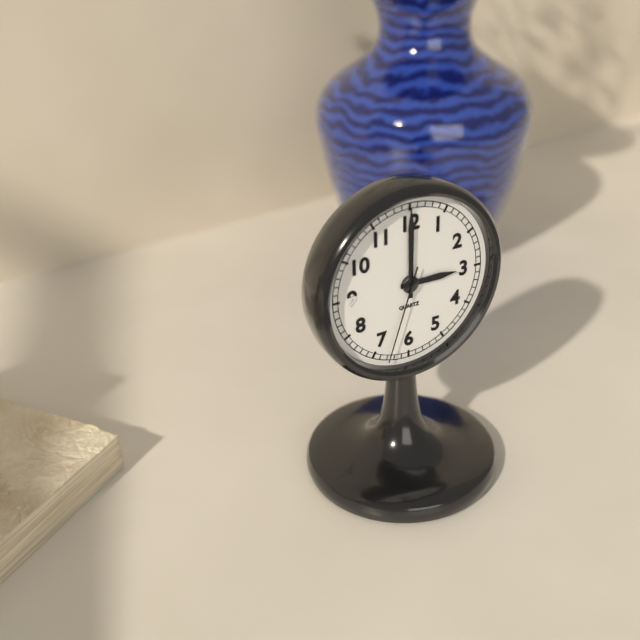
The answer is 3.00.33
